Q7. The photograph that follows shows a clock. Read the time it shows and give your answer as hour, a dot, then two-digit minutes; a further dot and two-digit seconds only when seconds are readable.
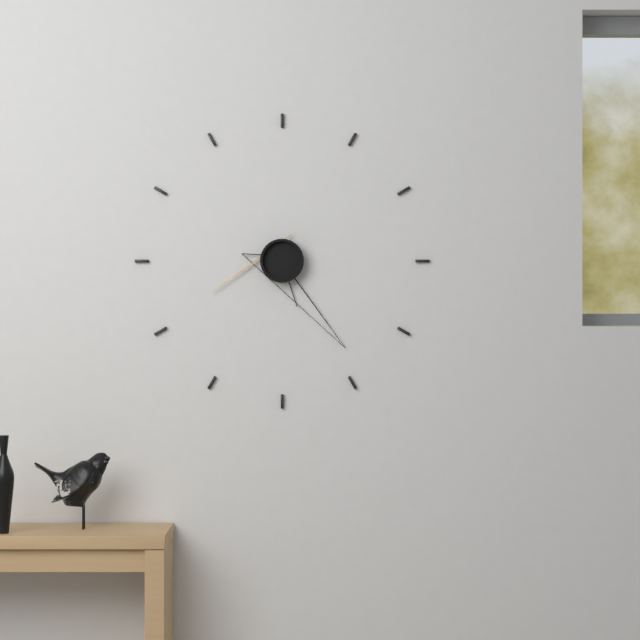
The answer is 5.24.41
